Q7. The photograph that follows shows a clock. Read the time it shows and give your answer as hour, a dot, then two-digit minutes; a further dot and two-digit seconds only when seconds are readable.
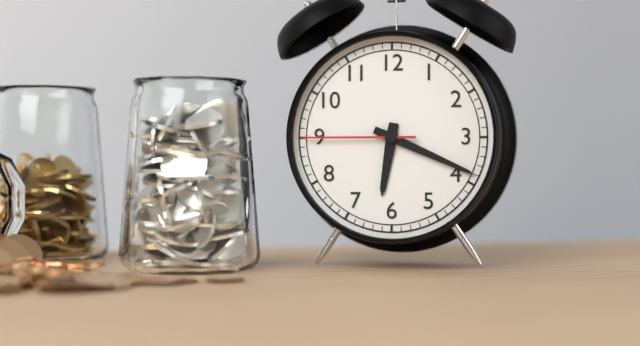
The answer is 6.19.45
